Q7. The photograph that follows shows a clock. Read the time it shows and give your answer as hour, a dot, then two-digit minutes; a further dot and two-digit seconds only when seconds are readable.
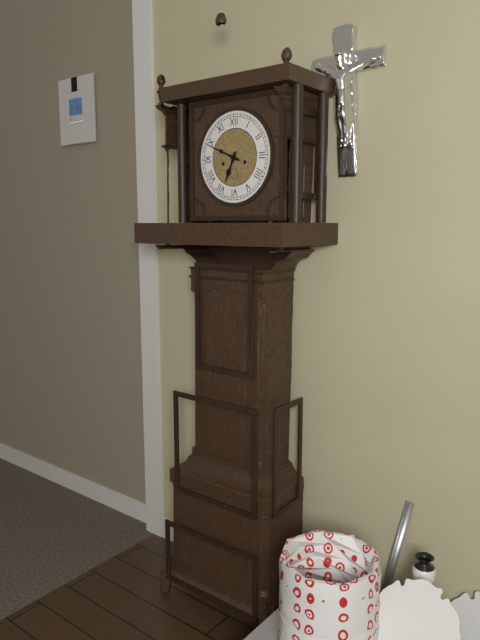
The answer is 6.49
